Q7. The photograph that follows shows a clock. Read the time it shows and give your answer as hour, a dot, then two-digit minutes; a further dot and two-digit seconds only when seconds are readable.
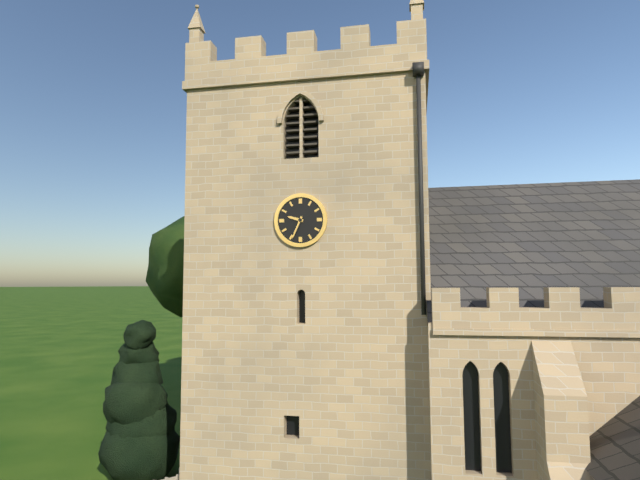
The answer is 9.34
